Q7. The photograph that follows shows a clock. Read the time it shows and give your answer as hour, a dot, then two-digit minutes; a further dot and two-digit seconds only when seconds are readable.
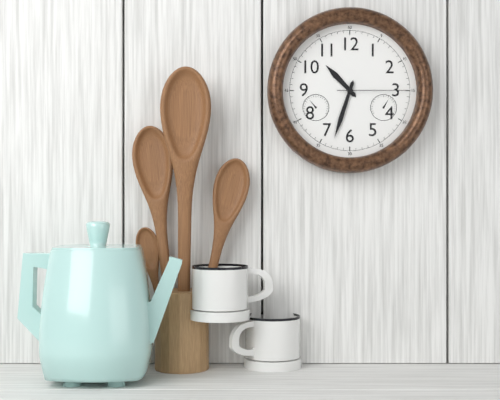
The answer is 10.33.15
